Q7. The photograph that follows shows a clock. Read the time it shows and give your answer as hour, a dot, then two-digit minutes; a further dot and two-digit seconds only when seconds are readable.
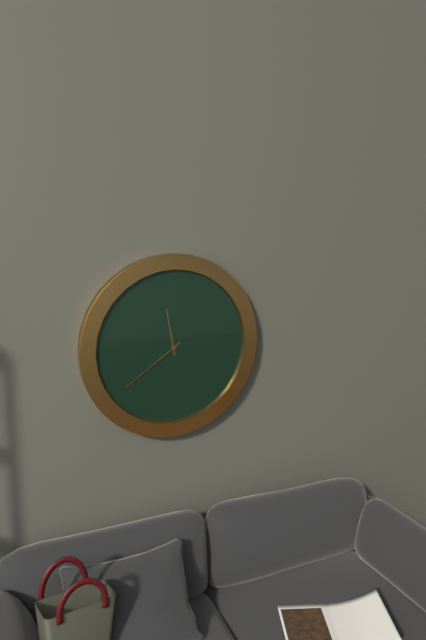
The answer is 11.39
